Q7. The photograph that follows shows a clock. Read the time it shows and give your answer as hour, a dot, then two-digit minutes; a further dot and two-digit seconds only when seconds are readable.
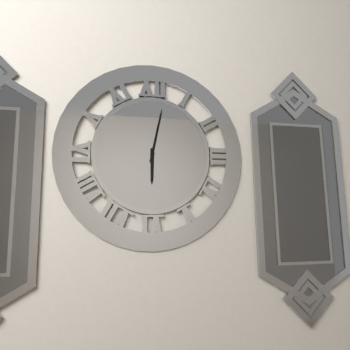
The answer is 6.02
